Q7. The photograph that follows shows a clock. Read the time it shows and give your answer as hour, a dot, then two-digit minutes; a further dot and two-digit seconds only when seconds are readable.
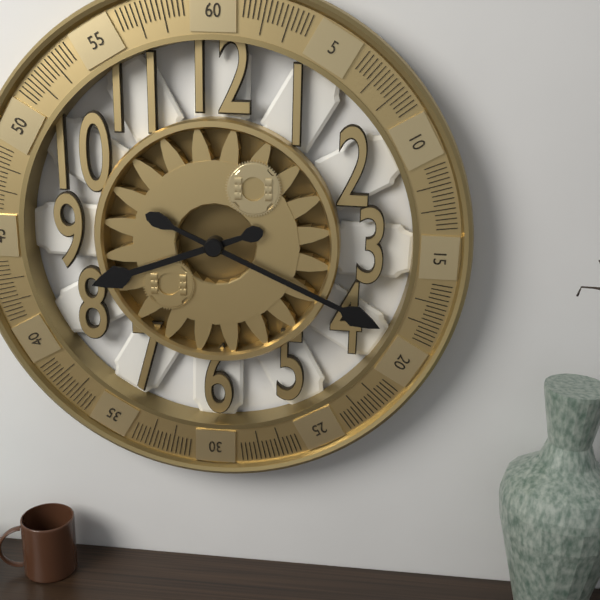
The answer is 8.19
